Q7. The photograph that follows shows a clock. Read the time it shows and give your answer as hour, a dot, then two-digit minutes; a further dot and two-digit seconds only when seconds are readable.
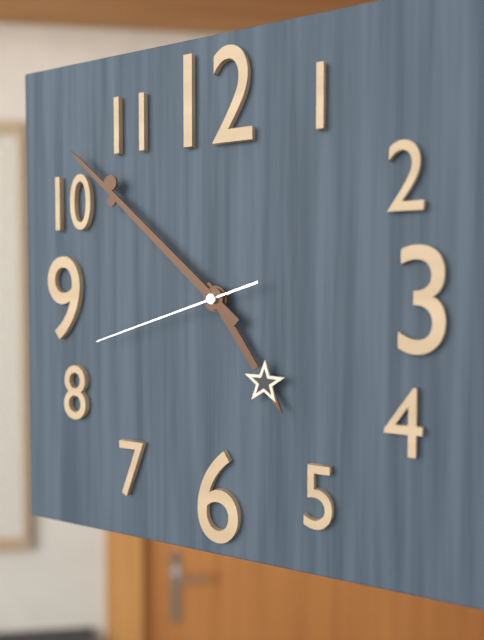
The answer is 4.52.42
